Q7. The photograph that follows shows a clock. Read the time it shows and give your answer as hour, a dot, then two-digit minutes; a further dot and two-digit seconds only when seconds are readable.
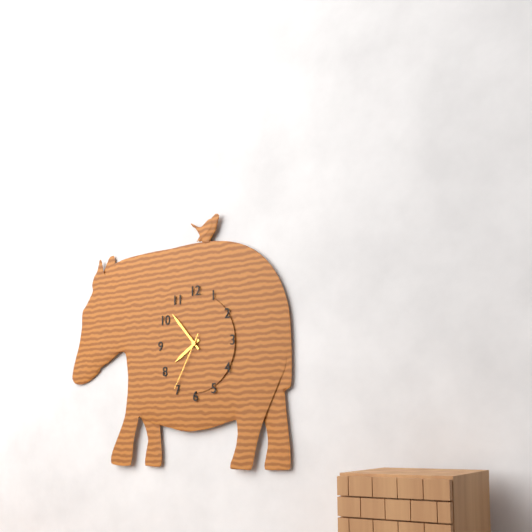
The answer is 7.53.35
